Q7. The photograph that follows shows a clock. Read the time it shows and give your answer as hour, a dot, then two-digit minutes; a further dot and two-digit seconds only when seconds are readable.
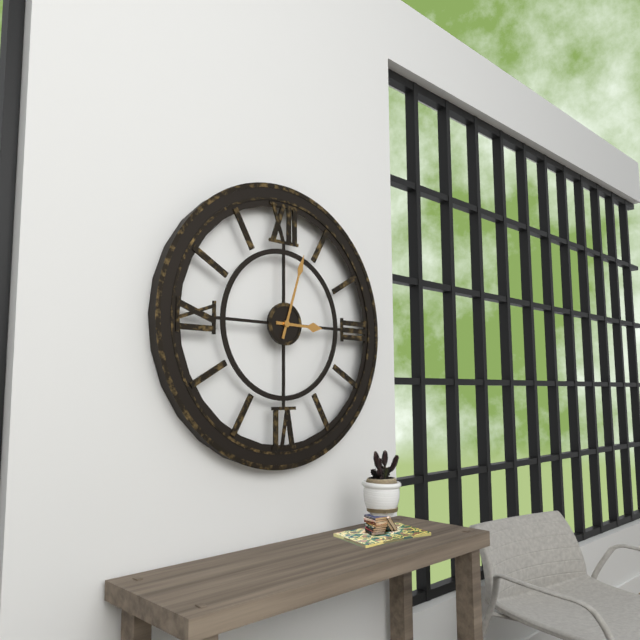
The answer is 3.03
